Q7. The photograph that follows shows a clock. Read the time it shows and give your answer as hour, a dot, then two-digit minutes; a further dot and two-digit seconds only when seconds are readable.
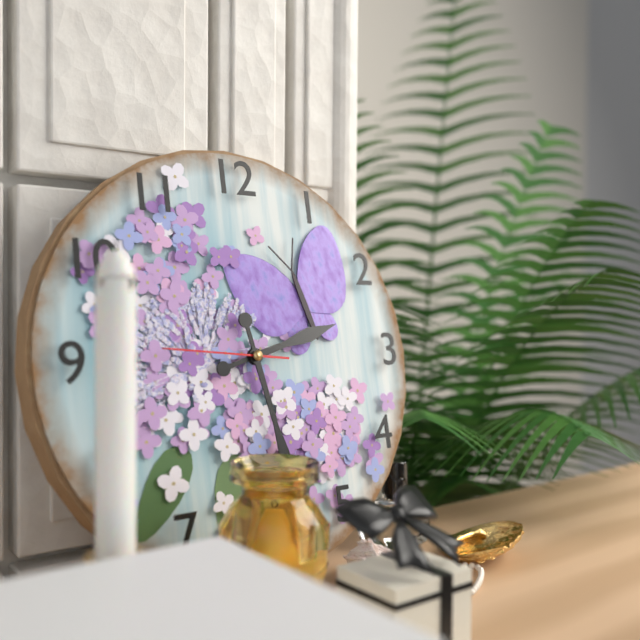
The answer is 2.28.46
